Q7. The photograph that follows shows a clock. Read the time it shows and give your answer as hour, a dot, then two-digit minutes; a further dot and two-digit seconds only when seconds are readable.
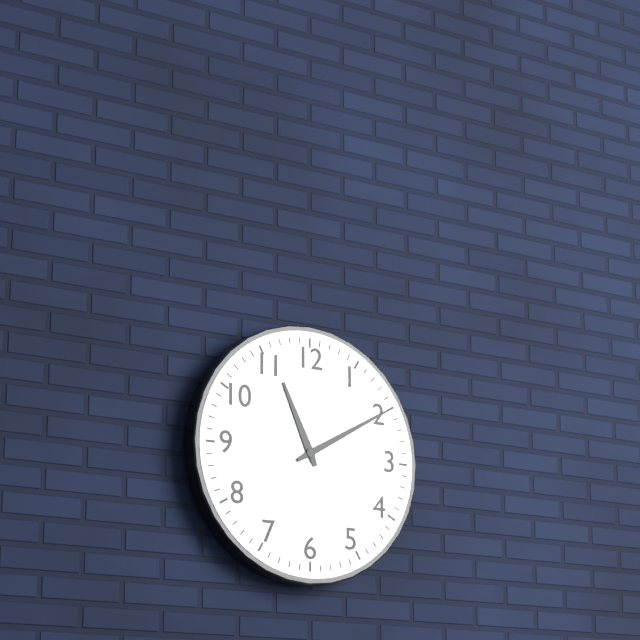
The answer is 11.10
